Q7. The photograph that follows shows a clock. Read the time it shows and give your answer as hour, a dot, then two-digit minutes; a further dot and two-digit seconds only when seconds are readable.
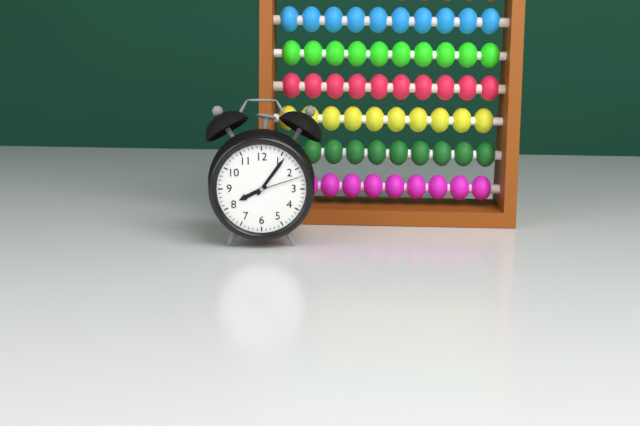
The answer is 8.06.12
